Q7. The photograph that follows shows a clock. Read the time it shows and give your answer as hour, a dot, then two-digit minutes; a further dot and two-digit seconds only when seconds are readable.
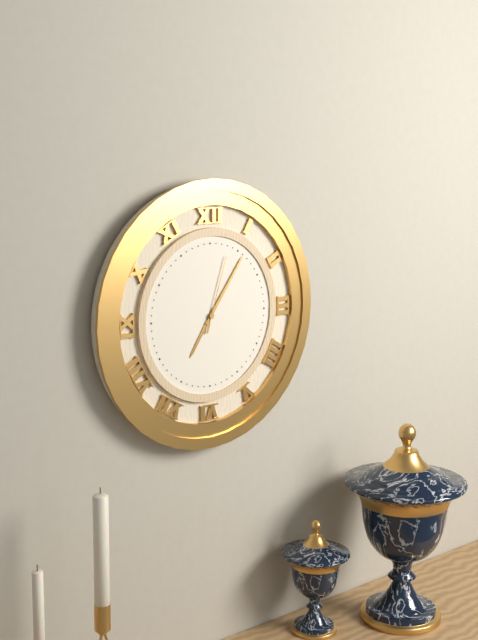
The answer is 7.06.03
